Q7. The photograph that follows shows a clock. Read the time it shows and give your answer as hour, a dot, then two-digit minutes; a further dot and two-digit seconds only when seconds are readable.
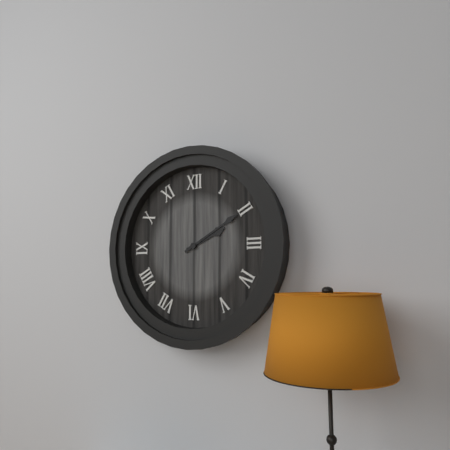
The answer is 2.10
